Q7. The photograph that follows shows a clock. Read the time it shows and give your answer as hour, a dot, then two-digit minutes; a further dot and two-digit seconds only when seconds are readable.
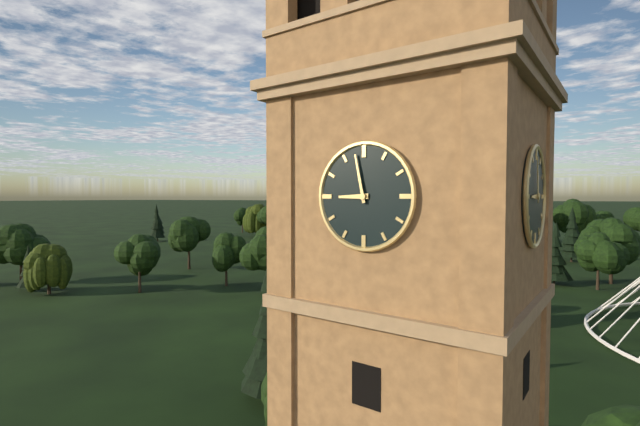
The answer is 8.58
